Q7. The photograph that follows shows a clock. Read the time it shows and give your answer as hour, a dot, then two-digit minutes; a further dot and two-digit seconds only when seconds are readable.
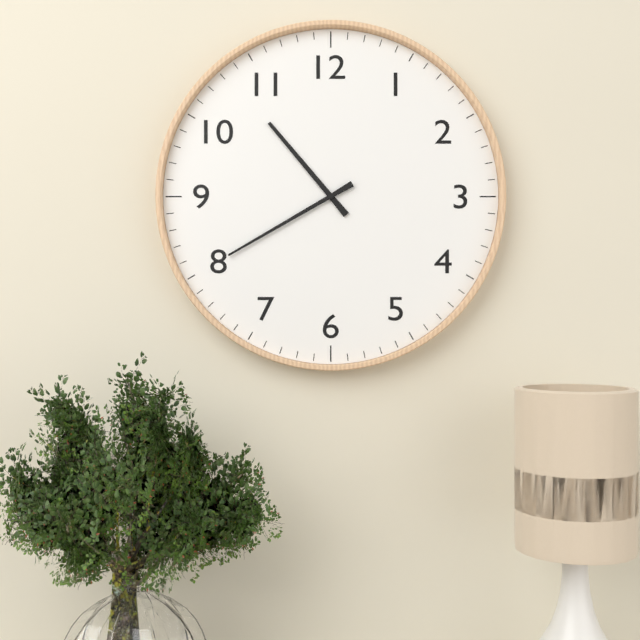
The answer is 10.40
